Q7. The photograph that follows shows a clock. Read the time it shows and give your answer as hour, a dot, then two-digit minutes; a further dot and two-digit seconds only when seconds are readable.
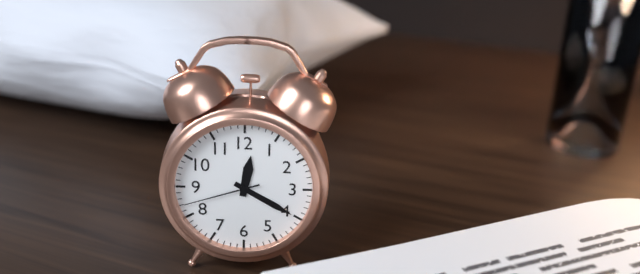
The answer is 12.20.42
